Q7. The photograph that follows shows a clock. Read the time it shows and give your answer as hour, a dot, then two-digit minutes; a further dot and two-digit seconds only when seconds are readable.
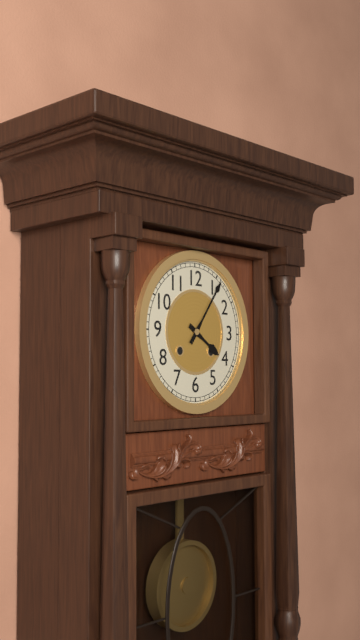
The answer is 4.06
